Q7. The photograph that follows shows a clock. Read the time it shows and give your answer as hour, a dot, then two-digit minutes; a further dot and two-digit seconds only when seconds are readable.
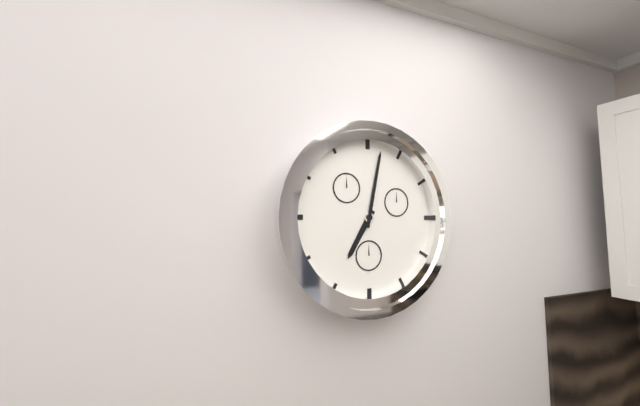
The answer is 7.02
